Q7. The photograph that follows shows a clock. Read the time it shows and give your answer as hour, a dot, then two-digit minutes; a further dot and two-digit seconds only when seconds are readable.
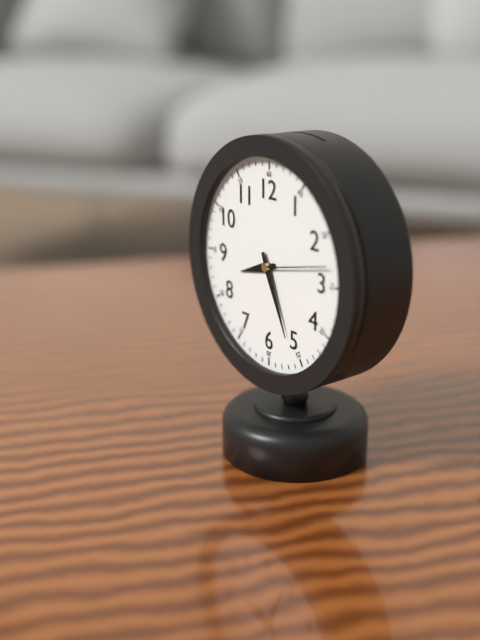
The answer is 8.26.13
